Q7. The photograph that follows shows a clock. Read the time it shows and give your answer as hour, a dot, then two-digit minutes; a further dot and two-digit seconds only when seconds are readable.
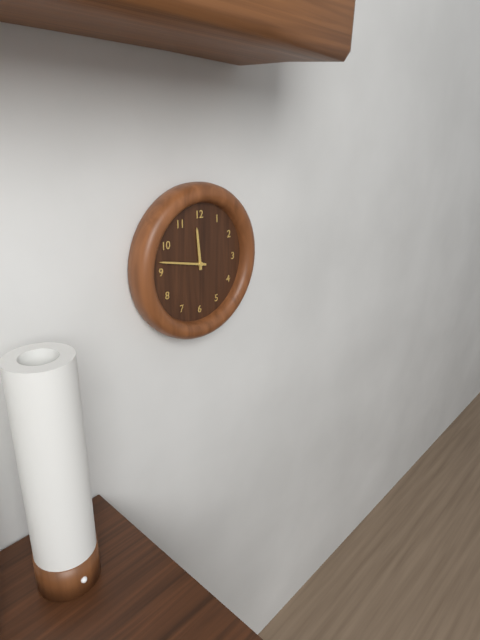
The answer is 11.47
